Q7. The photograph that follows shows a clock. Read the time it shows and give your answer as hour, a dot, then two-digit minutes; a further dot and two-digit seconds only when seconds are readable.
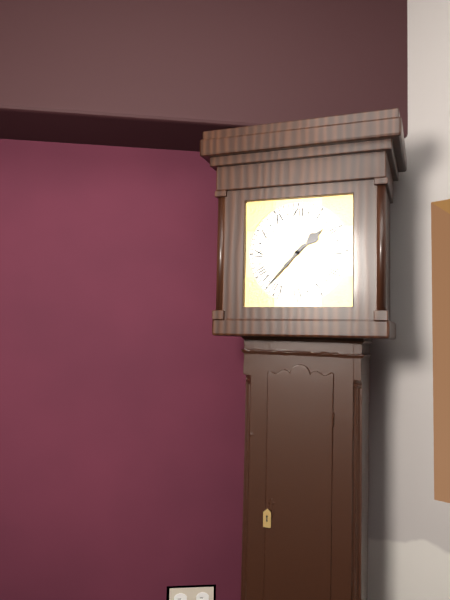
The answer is 1.37
